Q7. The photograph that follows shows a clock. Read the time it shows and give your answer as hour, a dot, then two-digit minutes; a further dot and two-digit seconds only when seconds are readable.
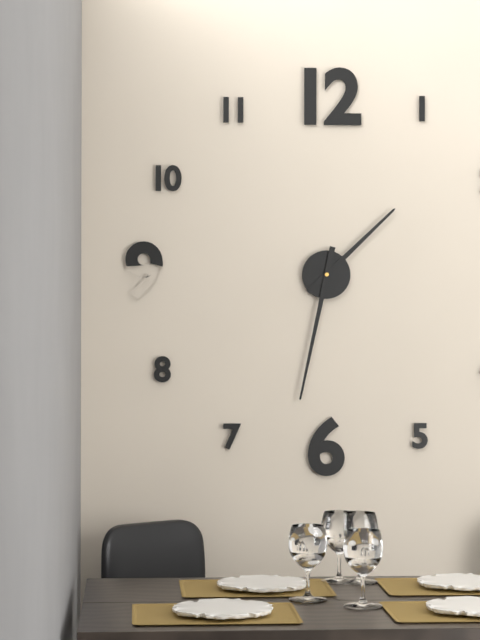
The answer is 1.32
